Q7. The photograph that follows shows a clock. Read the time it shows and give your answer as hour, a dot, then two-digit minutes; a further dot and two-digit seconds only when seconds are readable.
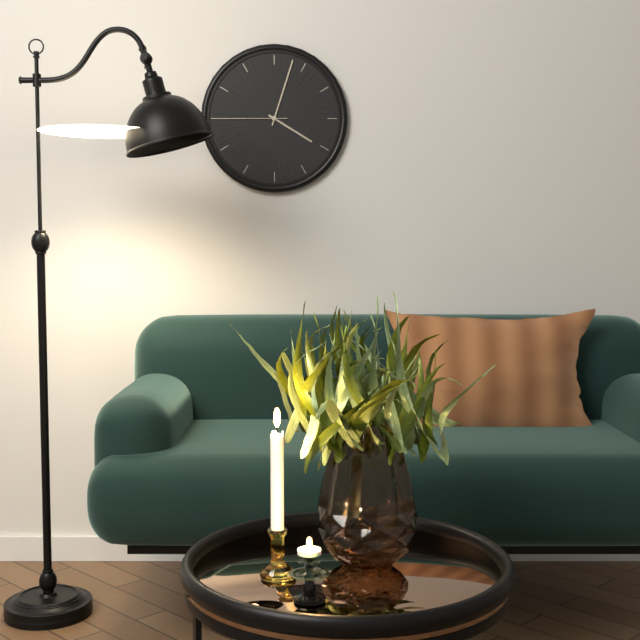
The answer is 4.03.45
